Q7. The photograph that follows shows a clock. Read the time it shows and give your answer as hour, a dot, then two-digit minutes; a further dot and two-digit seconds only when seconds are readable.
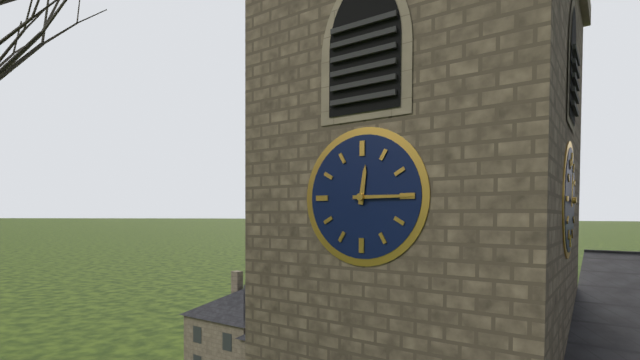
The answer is 12.15
